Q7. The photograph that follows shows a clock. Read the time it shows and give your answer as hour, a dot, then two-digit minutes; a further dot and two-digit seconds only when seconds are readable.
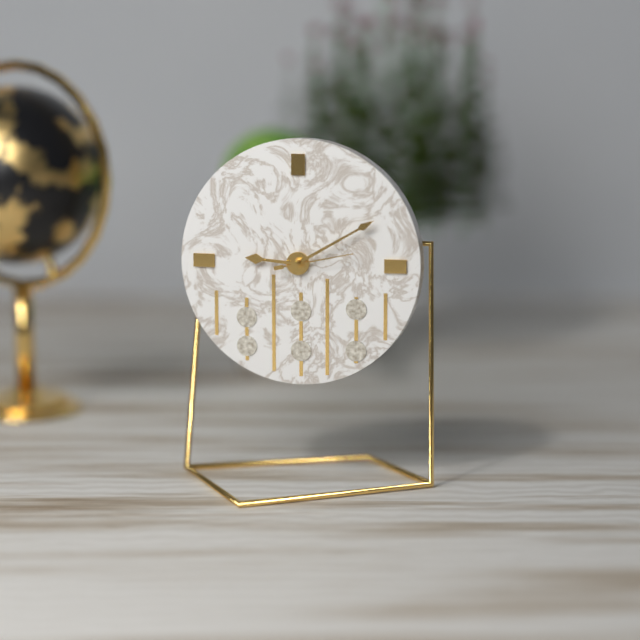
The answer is 9.10.13
